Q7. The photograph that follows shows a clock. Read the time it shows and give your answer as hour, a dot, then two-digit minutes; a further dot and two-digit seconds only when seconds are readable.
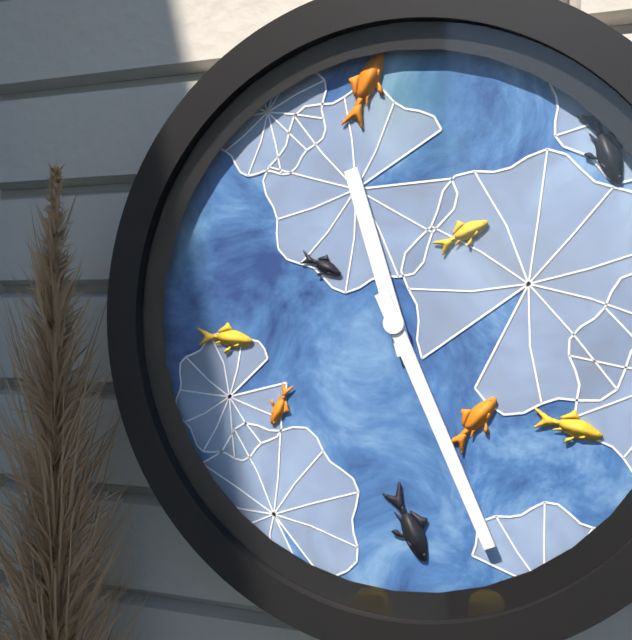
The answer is 11.26
